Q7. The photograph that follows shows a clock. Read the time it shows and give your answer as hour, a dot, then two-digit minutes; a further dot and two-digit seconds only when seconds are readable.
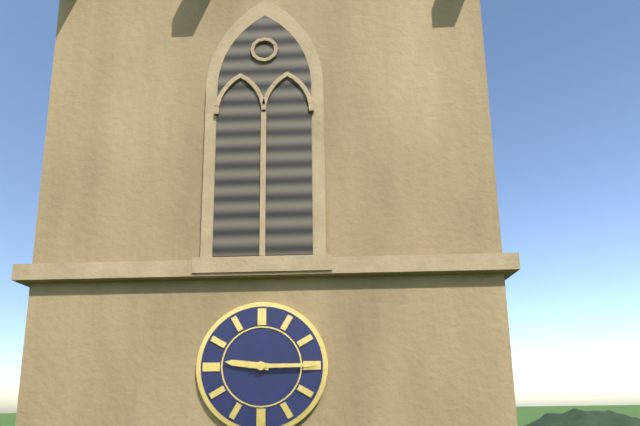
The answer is 9.15
